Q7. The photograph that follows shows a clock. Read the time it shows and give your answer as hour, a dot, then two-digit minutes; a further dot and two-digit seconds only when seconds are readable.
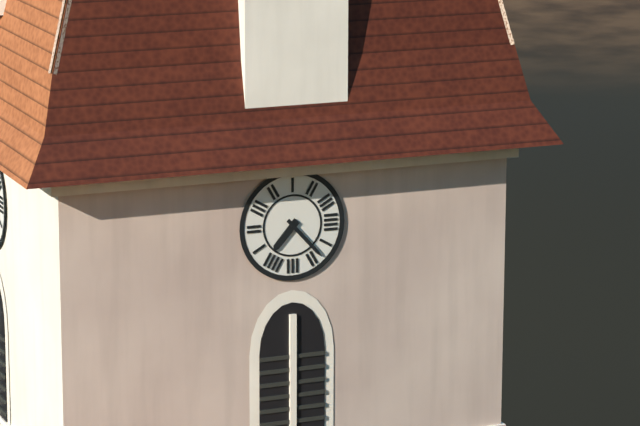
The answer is 7.23
